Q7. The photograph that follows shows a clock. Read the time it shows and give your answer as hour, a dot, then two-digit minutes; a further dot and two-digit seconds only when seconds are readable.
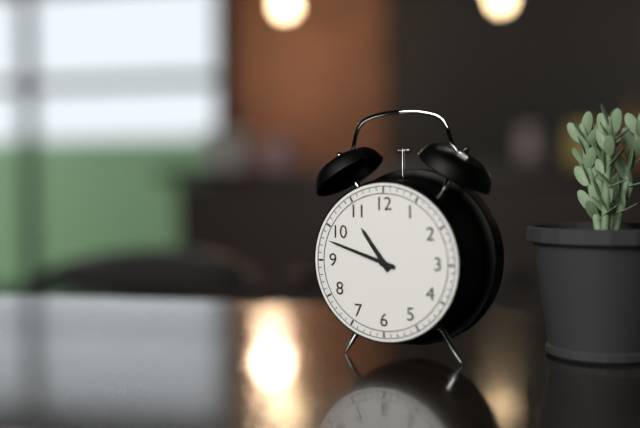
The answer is 10.48
